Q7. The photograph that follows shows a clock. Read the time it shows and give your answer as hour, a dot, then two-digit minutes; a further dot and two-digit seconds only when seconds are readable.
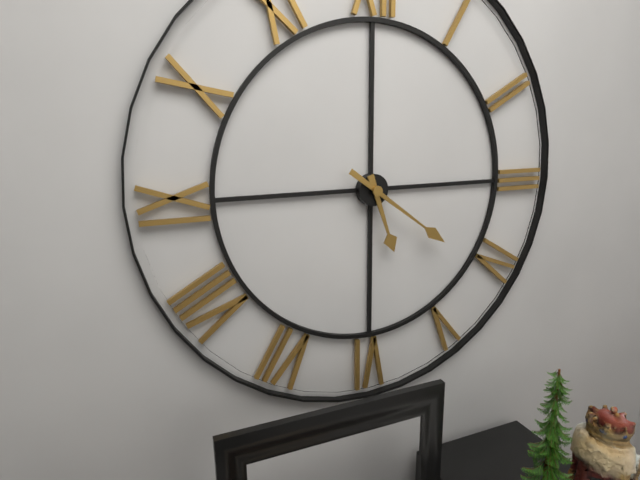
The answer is 5.21
